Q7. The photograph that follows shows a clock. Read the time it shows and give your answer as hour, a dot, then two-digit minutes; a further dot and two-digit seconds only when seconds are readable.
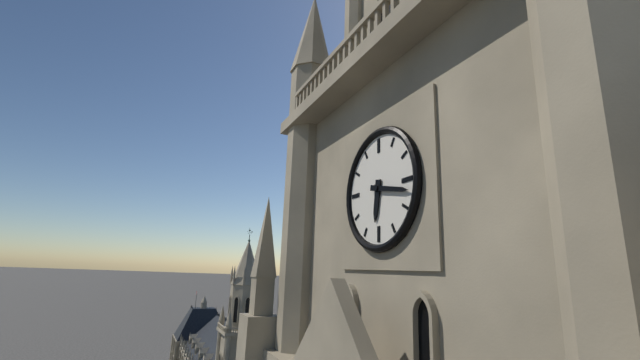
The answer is 6.17
